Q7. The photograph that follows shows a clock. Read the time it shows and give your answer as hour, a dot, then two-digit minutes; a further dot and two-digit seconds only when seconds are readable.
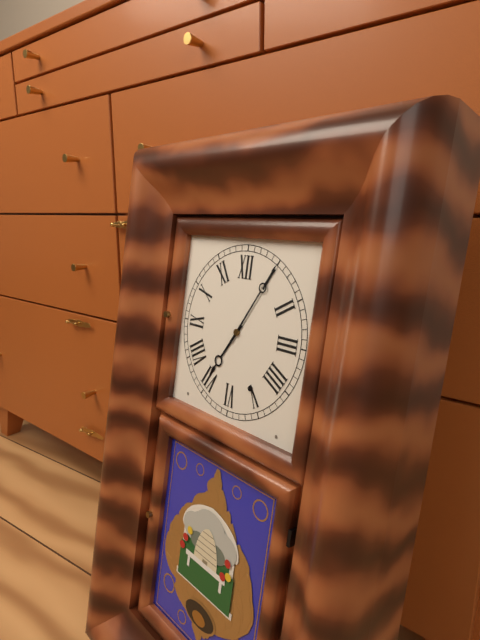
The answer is 7.05
